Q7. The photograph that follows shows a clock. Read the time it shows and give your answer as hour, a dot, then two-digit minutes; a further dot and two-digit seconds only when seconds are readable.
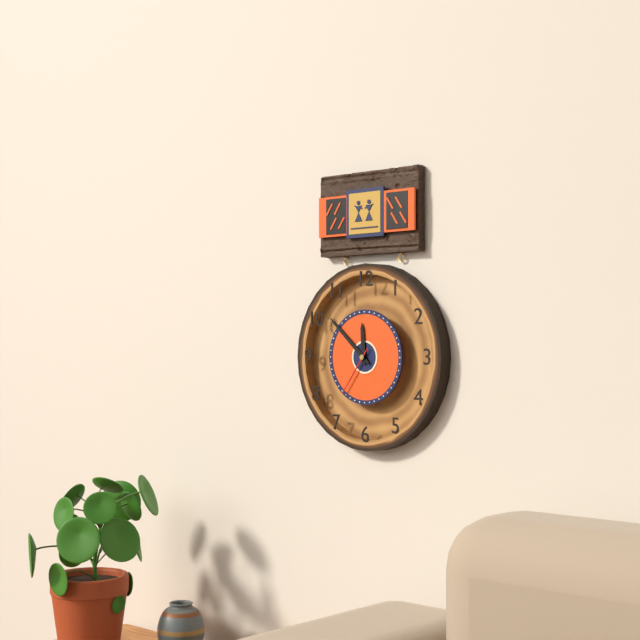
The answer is 11.52.36
